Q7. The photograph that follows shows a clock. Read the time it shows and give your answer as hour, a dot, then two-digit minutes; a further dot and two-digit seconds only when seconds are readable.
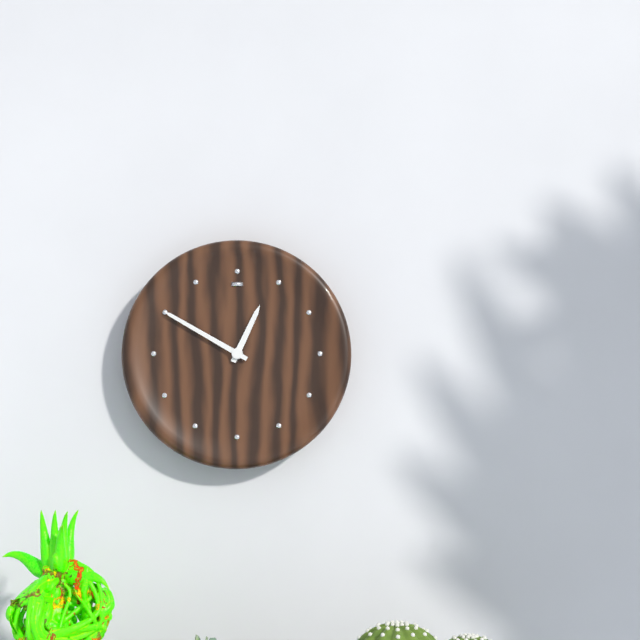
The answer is 12.50
